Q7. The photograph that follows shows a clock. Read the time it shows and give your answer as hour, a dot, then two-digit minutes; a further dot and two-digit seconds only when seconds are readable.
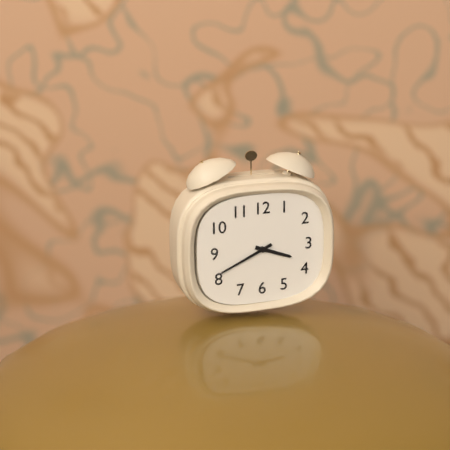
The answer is 3.41
